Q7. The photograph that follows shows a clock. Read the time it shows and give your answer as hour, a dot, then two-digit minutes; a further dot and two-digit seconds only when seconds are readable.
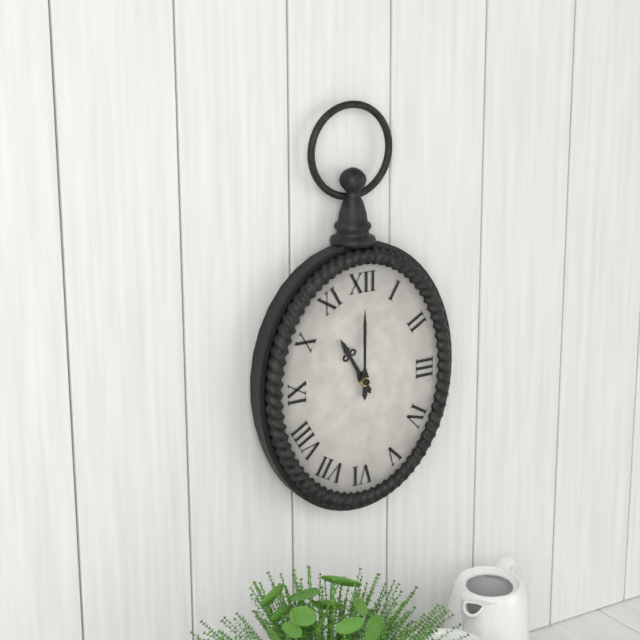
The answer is 11.00
